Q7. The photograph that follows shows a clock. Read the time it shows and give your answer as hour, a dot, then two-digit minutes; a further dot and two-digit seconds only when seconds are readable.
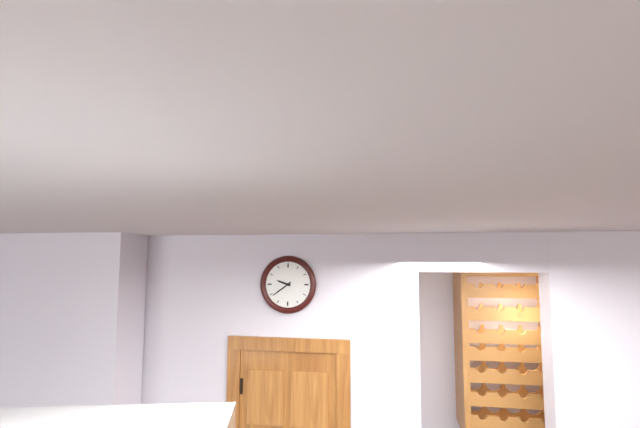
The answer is 9.39
